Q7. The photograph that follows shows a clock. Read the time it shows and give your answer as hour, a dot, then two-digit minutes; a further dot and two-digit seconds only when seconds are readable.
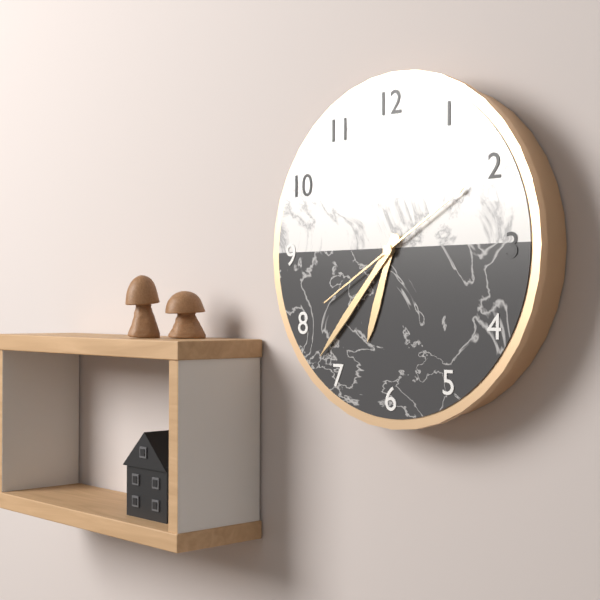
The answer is 6.37.10
